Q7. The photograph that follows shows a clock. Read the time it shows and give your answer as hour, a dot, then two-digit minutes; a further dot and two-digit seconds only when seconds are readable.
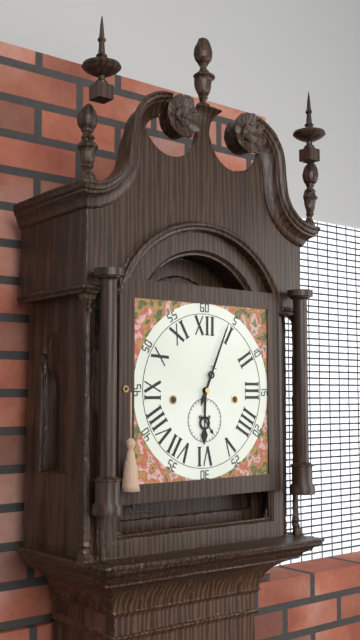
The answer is 6.04
